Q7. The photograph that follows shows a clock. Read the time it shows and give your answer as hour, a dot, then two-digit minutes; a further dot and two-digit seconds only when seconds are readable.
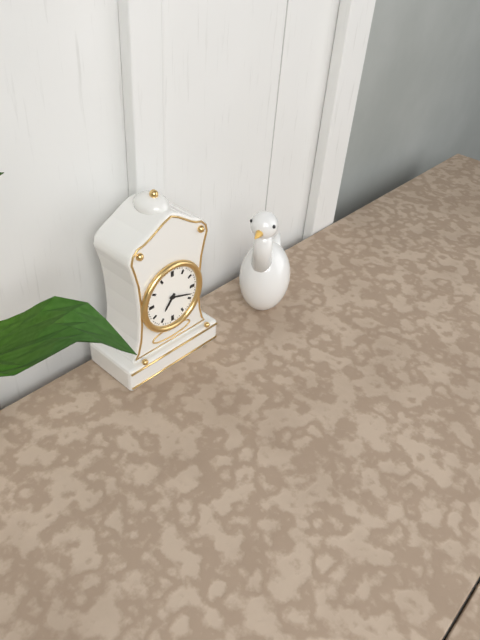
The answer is 7.18
